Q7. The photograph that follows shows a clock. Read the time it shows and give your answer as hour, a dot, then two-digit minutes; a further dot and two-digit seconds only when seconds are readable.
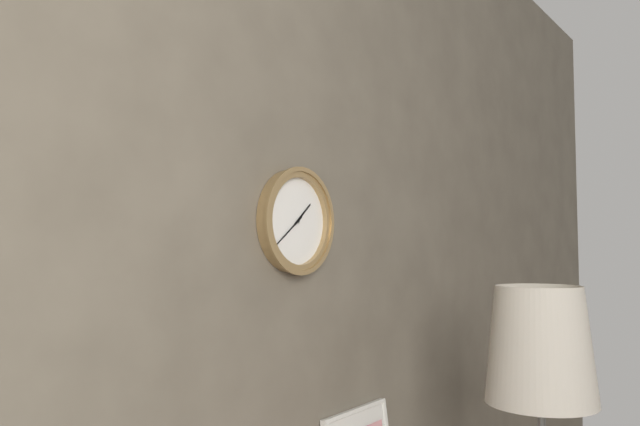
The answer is 1.39
